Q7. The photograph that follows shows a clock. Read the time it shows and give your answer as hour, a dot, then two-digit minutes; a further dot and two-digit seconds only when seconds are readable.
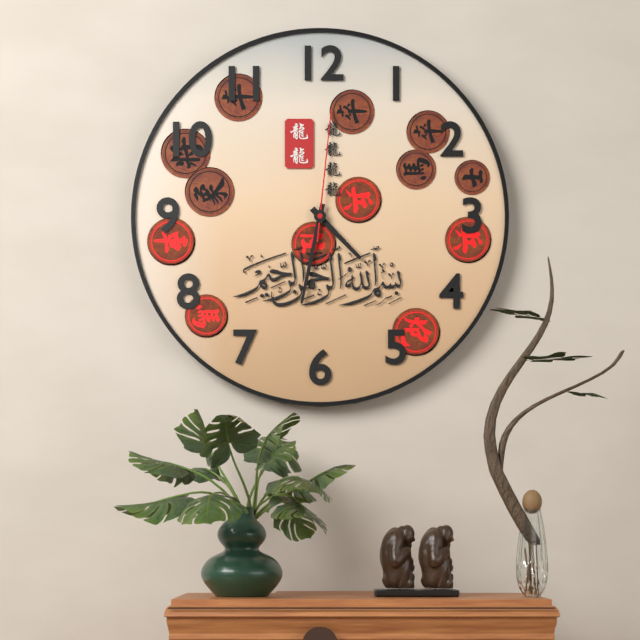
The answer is 4.32.01
